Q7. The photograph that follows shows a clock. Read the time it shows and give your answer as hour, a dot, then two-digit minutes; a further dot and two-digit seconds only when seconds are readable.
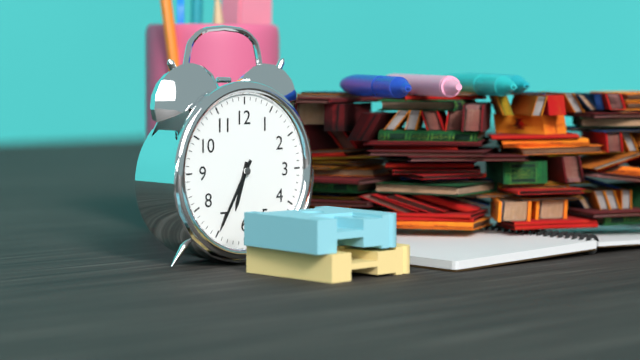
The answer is 6.35
